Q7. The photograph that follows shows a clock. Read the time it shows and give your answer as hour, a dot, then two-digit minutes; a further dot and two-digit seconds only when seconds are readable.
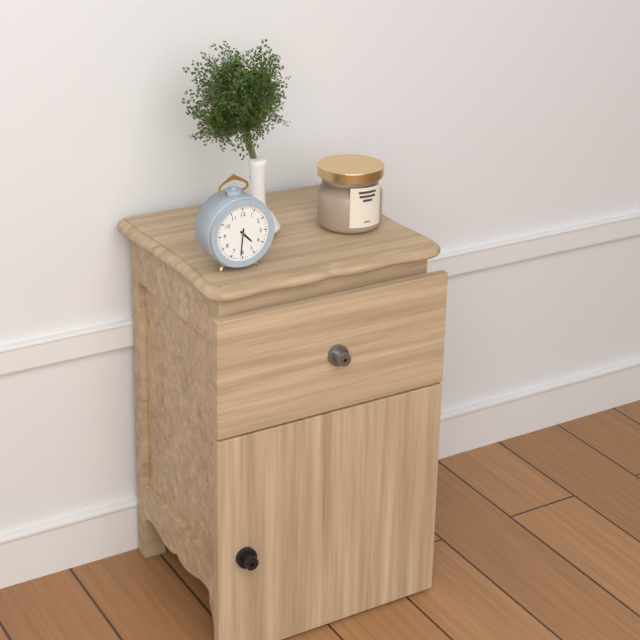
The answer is 4.31
